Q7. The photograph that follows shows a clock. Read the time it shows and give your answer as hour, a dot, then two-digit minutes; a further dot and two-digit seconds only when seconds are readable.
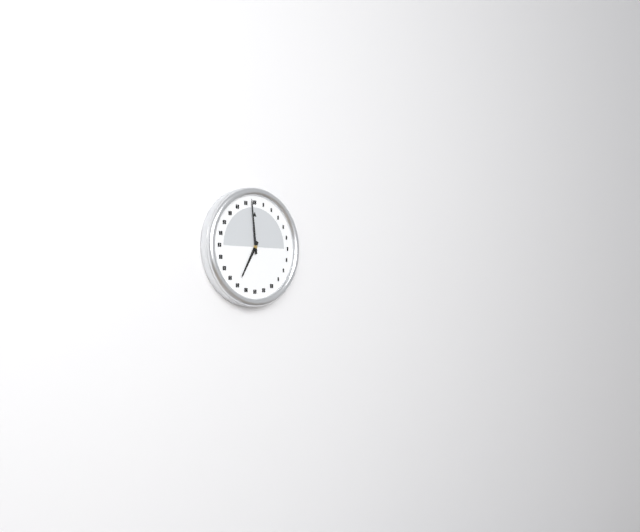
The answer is 6.59
